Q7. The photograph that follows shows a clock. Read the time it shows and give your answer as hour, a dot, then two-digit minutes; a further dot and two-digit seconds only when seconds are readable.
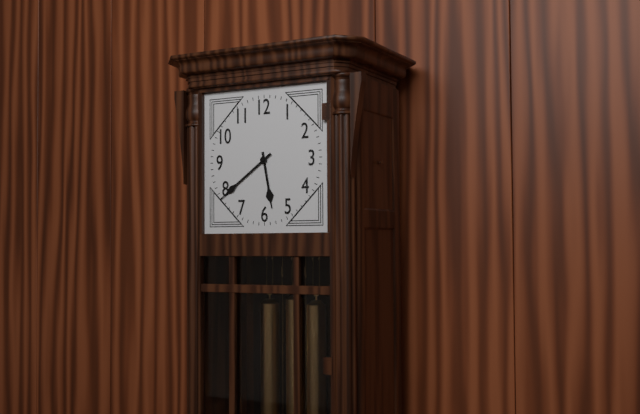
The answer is 5.39
